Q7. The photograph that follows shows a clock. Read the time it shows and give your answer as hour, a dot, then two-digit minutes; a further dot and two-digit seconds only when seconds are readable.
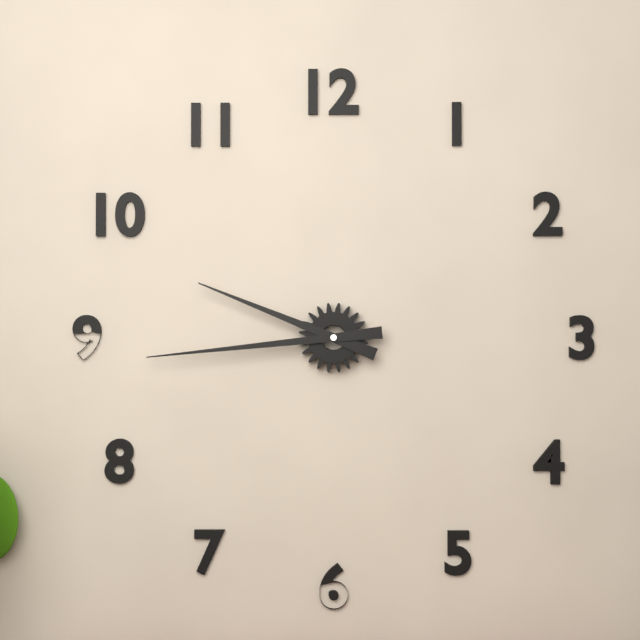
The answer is 9.44
